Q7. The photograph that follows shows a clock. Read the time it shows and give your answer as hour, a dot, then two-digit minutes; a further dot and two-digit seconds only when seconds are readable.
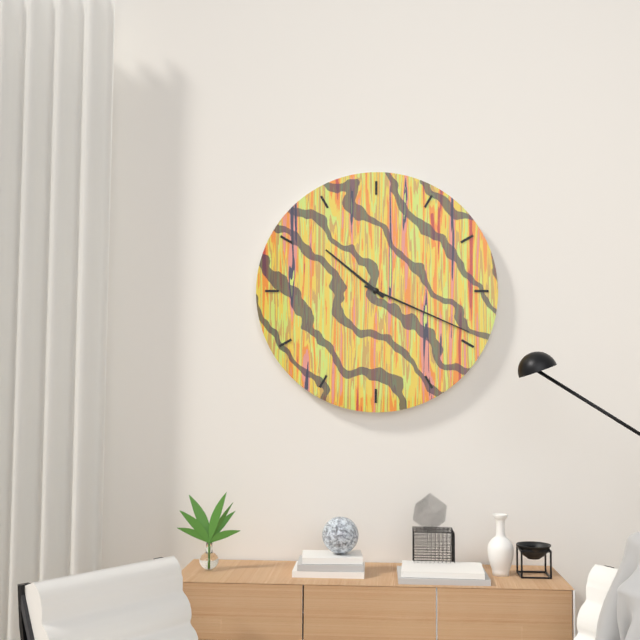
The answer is 10.19
